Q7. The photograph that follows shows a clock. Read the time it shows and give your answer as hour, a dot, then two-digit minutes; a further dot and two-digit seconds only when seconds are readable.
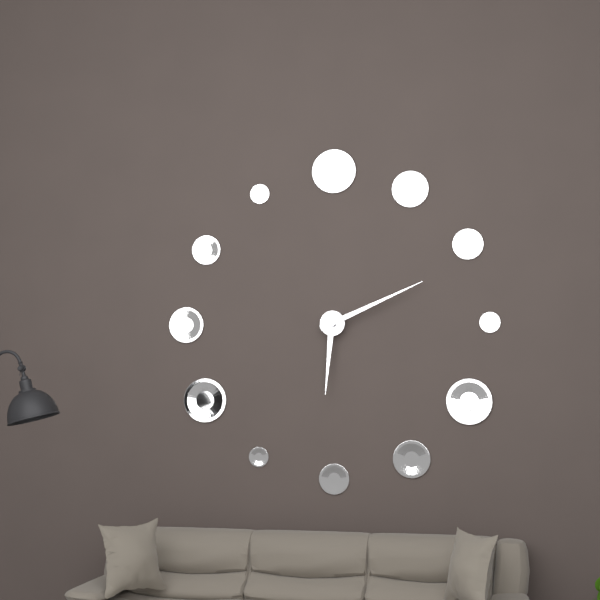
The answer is 6.11
